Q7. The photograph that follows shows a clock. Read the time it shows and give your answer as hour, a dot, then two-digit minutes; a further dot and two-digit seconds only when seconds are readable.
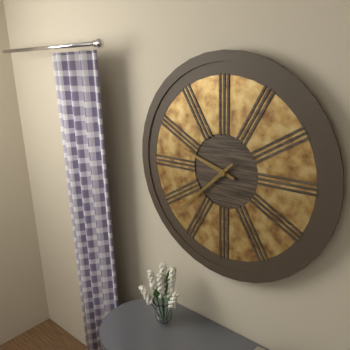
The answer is 9.38
